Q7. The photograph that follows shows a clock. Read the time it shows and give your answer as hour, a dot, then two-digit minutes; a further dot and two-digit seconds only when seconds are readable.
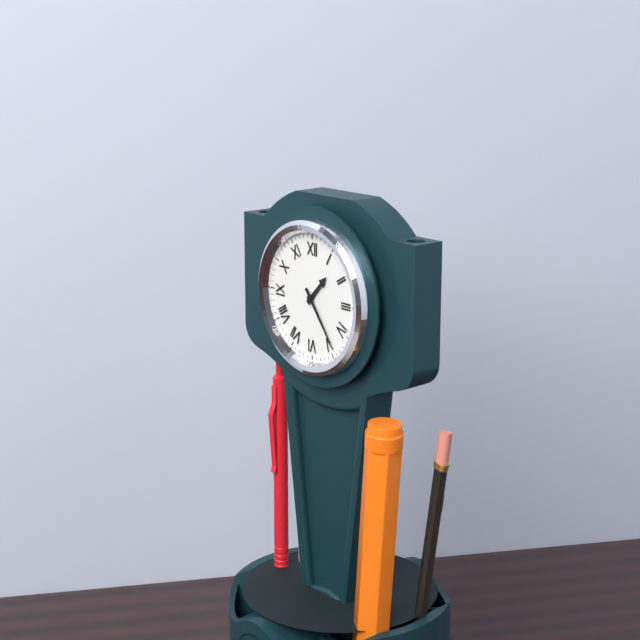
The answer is 1.24
